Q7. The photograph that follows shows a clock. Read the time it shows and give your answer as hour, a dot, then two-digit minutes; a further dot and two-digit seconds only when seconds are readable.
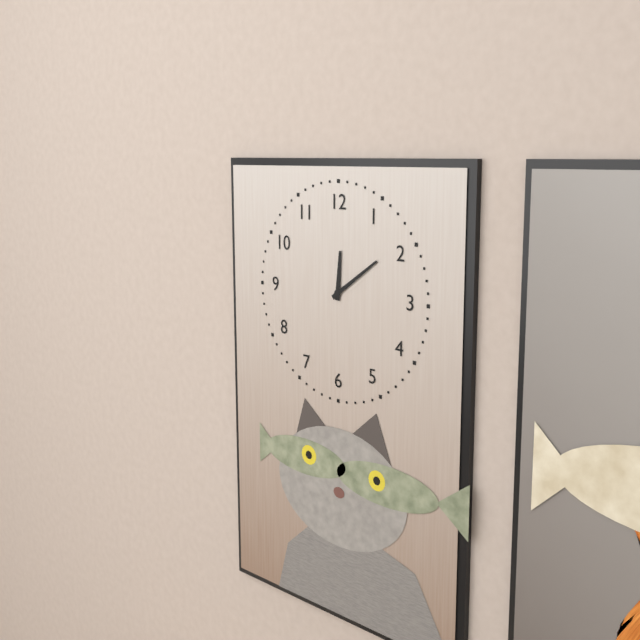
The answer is 12.09
